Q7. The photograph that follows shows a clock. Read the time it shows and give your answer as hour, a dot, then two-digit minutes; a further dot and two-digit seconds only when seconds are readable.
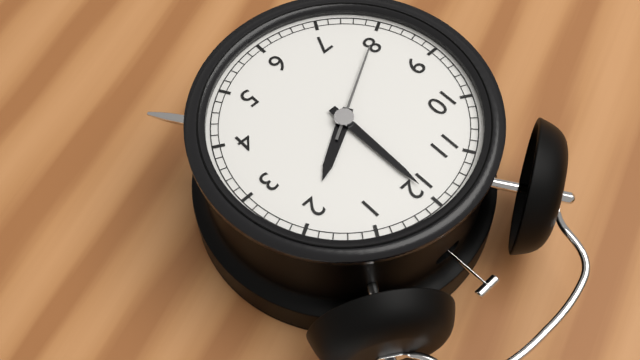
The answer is 2.00.40
